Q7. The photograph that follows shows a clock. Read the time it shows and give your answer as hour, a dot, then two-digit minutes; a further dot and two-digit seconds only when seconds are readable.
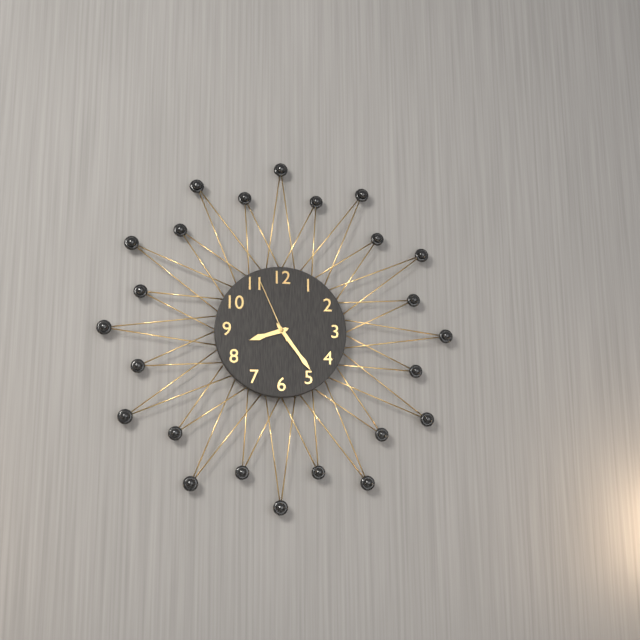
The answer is 8.24.56
